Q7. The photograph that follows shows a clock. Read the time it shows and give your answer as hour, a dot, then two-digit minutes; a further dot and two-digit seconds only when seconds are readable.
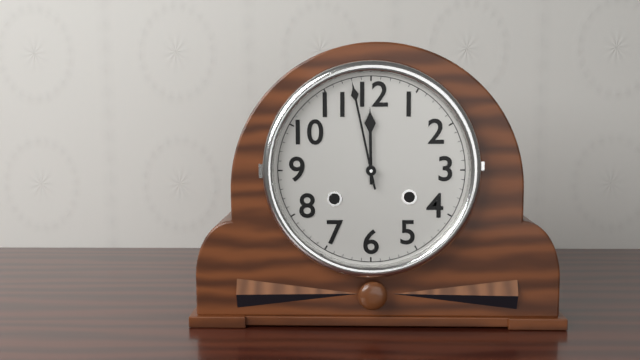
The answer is 11.58
